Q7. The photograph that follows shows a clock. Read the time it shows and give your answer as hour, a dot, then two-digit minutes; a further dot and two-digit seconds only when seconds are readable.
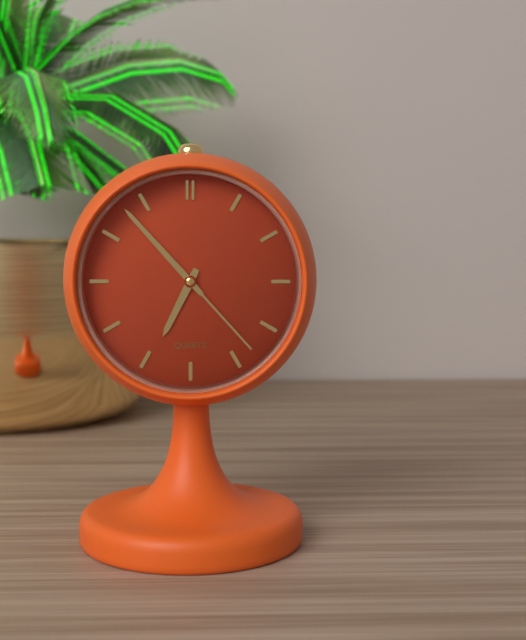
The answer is 6.53.23
